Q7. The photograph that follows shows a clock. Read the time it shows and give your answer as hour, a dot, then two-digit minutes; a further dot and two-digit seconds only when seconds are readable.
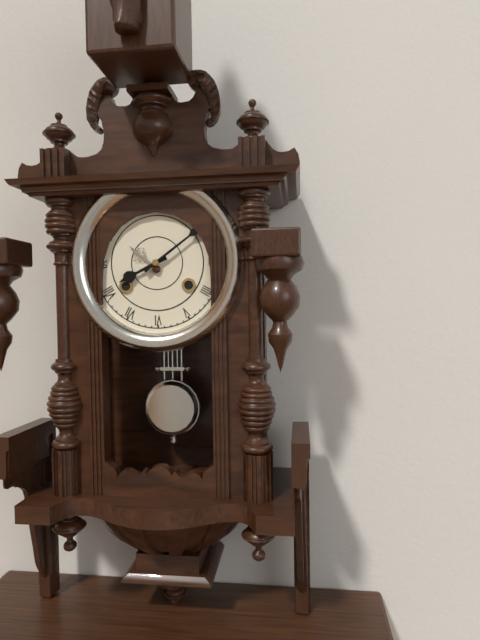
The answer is 8.09
